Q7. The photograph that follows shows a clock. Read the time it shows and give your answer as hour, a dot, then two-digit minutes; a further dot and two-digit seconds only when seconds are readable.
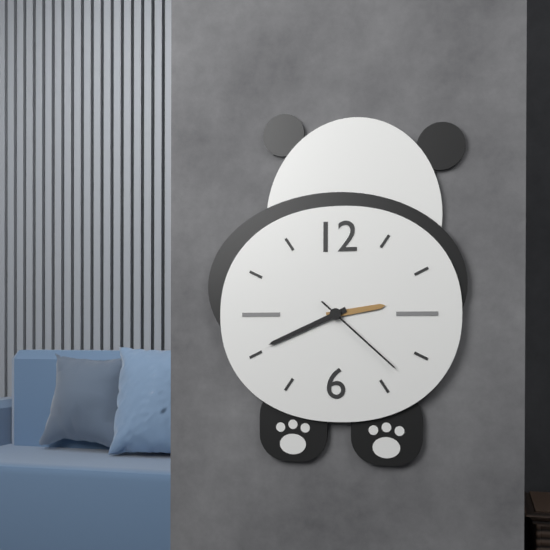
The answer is 2.41.22
